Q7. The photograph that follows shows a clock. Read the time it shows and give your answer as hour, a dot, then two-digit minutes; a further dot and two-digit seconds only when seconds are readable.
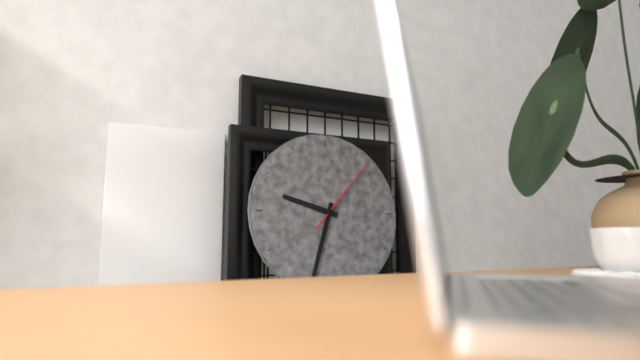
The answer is 9.33.07
